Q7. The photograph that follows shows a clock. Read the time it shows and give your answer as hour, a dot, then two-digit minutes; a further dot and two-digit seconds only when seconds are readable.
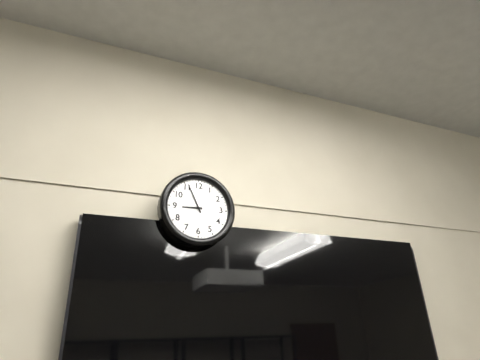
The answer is 8.56
